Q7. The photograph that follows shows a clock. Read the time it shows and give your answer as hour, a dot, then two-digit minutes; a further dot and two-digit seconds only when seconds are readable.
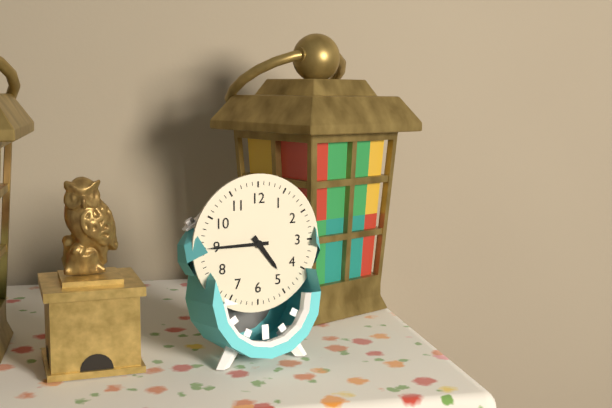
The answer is 4.45
